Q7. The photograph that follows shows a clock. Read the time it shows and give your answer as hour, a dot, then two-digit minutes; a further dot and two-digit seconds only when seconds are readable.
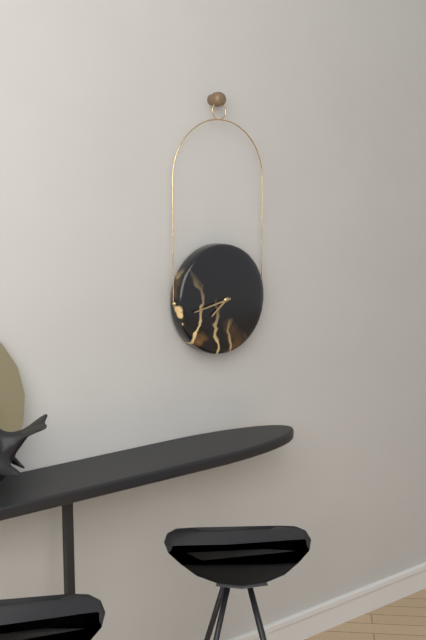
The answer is 7.43
